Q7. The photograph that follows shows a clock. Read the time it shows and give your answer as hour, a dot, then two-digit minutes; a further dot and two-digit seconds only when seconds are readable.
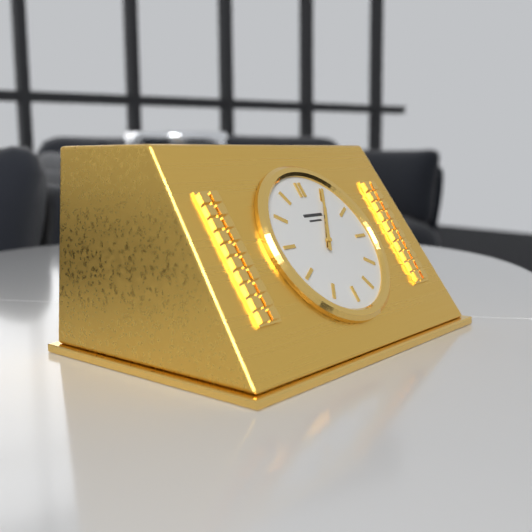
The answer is 1.05
